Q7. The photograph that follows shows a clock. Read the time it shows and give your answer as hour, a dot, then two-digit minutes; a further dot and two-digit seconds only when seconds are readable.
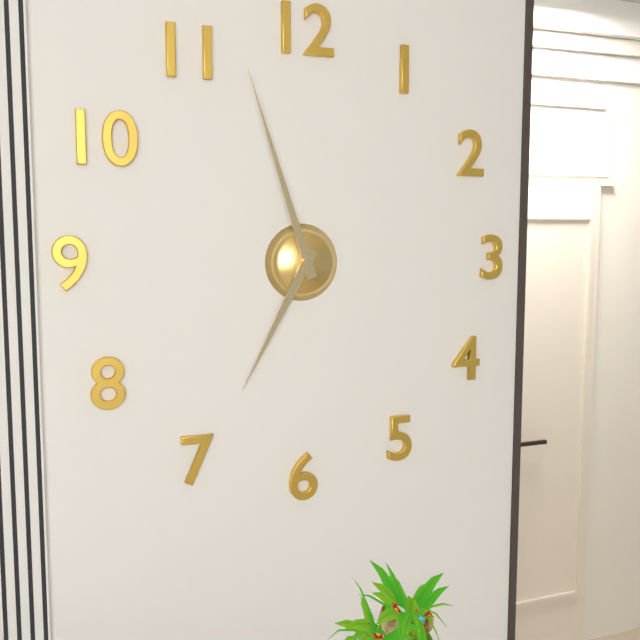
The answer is 6.57
